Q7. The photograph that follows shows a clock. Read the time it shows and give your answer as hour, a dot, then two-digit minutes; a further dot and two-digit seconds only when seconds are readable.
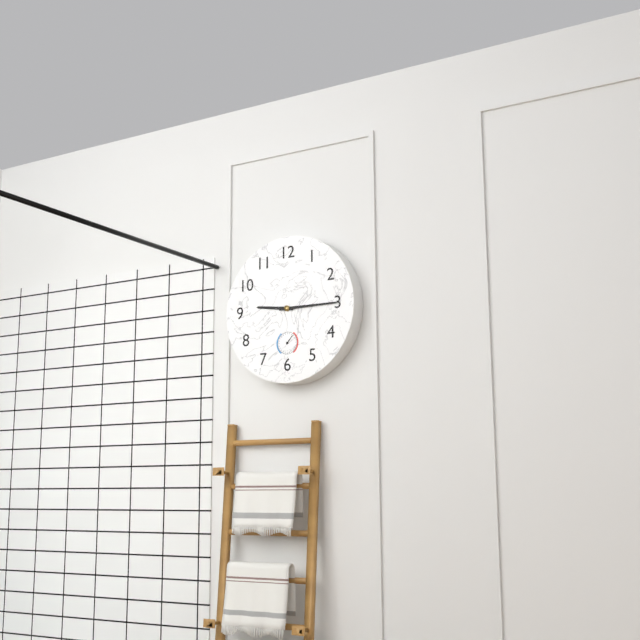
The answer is 9.15
